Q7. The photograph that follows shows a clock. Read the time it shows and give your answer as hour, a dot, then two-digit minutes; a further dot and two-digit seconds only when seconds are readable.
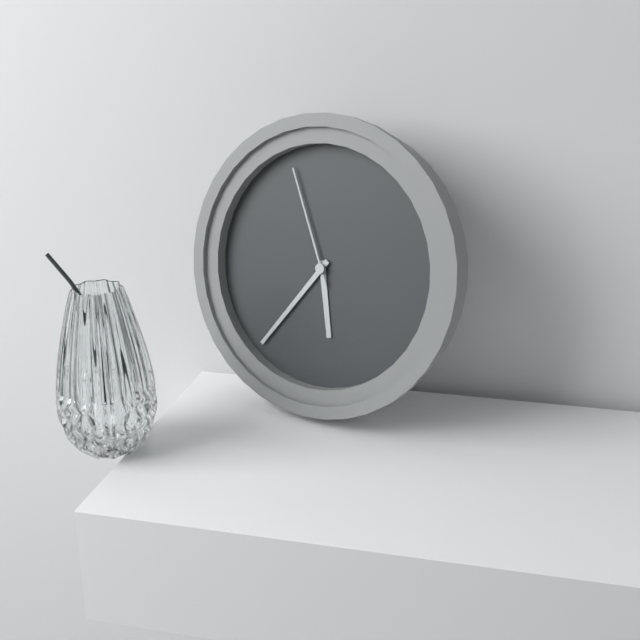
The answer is 5.36.56
